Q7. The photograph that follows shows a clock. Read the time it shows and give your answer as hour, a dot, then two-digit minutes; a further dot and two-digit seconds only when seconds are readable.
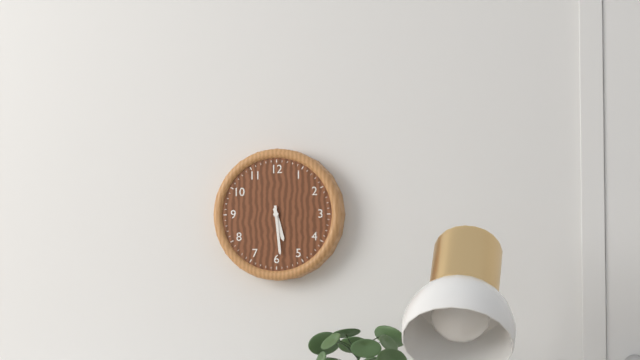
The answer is 5.29
